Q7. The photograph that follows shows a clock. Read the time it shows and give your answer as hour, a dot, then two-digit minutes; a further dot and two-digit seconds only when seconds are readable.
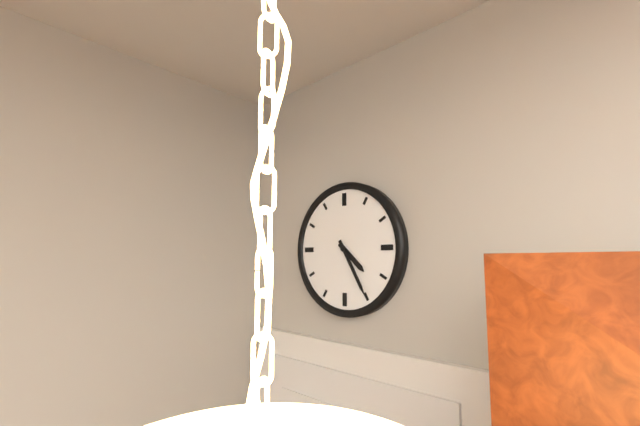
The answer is 4.25
